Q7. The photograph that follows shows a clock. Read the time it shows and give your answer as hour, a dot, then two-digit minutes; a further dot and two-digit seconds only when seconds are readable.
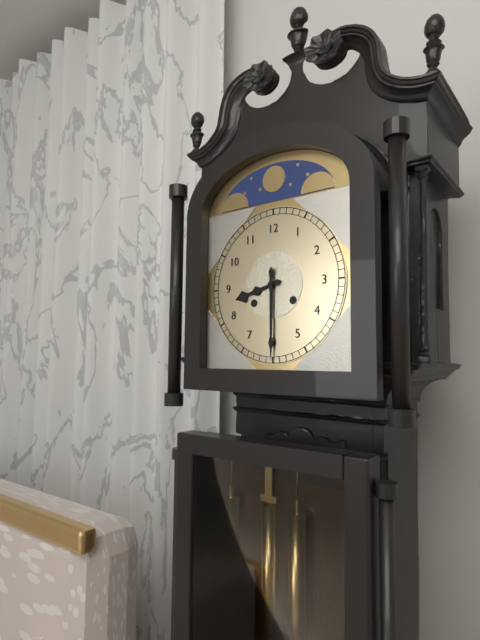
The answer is 8.30
